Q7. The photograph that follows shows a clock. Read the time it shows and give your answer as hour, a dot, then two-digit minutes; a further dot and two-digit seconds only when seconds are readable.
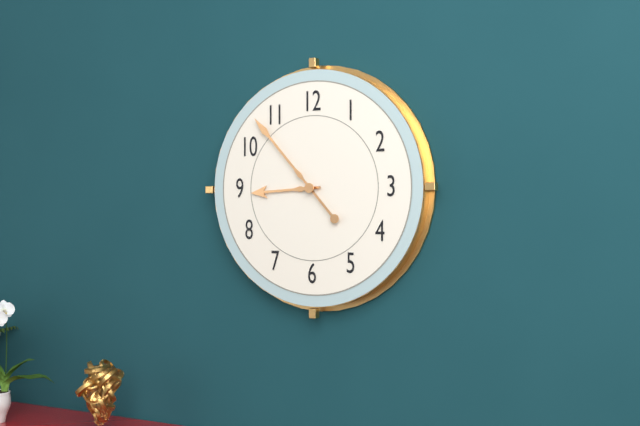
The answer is 8.53
